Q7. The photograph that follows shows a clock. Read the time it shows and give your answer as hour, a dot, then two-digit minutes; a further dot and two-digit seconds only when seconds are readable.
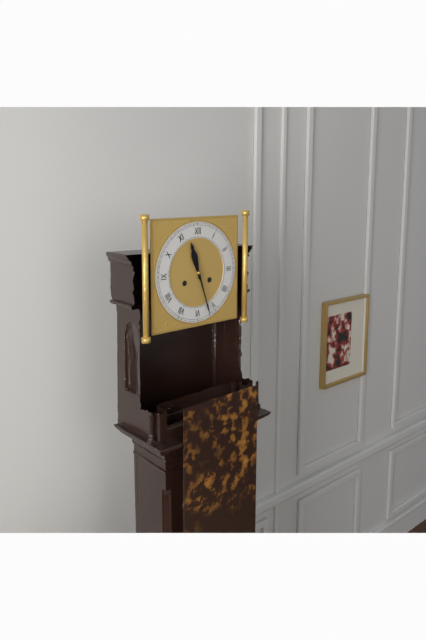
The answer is 11.27
